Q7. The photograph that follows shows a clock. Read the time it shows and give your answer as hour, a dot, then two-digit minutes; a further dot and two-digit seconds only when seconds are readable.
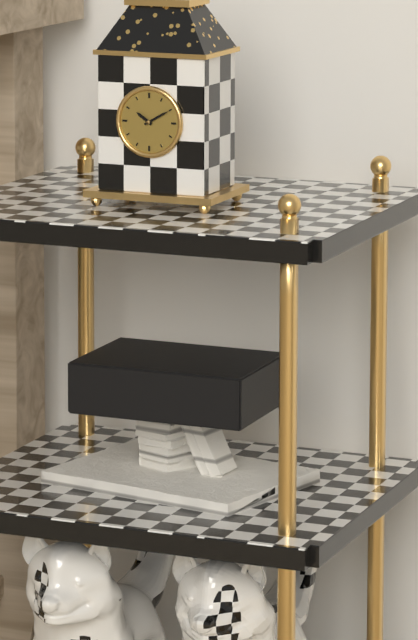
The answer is 10.10
